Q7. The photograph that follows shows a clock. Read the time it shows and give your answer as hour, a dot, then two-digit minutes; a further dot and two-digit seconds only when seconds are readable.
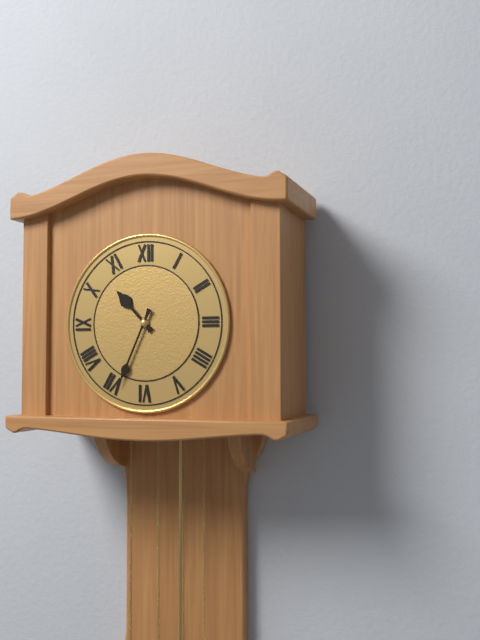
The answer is 10.34
